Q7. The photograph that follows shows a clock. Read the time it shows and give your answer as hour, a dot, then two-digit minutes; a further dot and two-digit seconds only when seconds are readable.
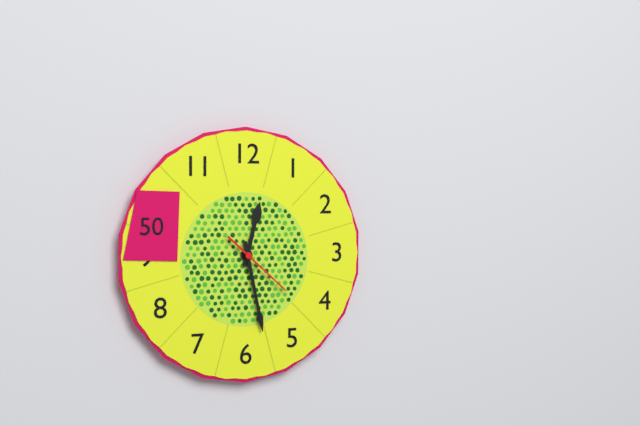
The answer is 12.28.22
